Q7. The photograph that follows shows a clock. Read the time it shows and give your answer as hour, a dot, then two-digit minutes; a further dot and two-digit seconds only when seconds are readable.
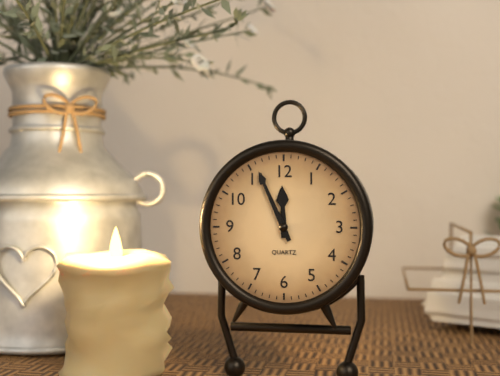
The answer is 11.56
